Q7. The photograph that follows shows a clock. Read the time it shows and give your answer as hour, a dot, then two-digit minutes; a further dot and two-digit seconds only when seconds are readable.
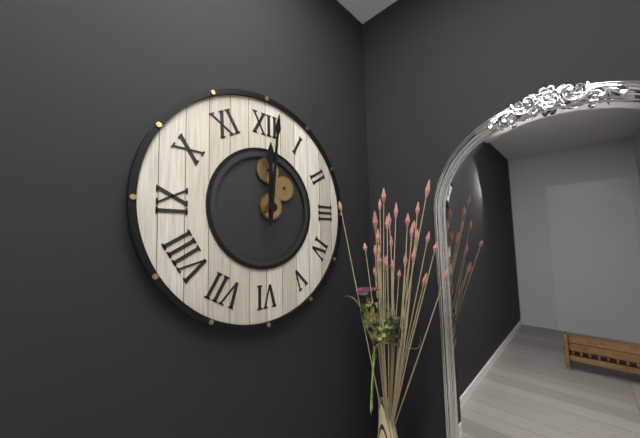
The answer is 12.01
